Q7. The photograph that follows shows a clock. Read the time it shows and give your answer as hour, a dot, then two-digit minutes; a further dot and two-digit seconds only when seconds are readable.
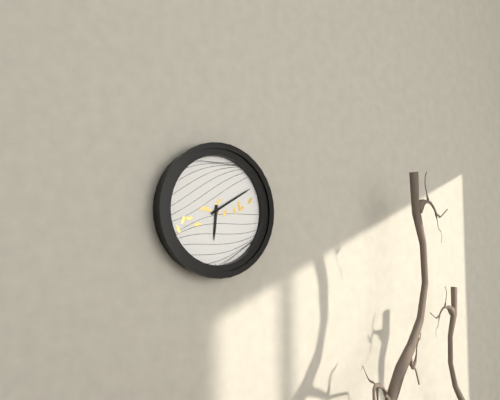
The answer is 6.10
